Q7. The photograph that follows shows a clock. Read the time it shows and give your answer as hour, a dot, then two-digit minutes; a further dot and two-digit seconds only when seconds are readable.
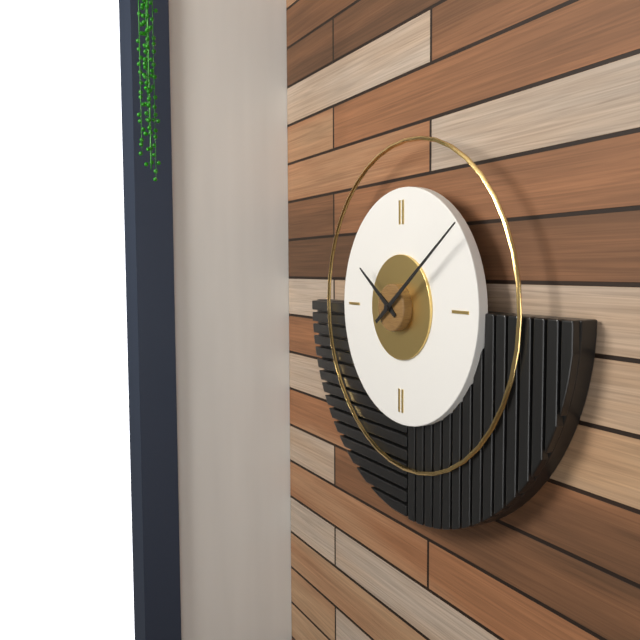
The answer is 10.09
